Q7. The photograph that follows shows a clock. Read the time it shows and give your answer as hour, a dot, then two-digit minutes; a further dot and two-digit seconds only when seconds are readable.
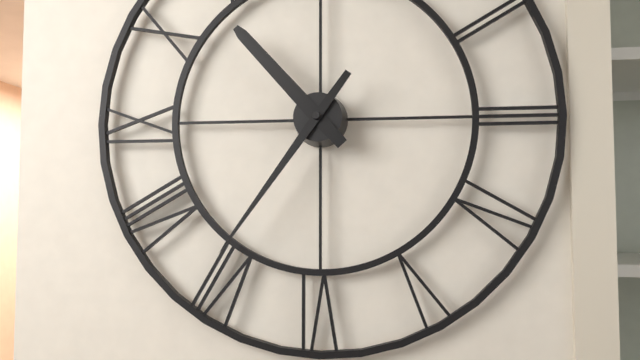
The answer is 10.36
